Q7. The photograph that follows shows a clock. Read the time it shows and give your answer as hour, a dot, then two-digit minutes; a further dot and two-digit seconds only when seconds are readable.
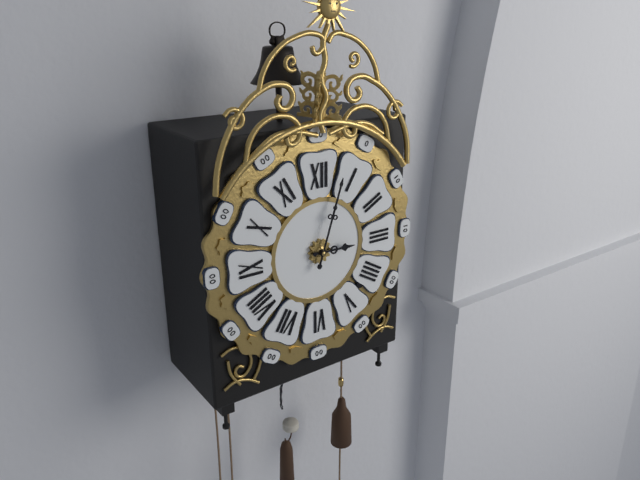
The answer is 3.03
